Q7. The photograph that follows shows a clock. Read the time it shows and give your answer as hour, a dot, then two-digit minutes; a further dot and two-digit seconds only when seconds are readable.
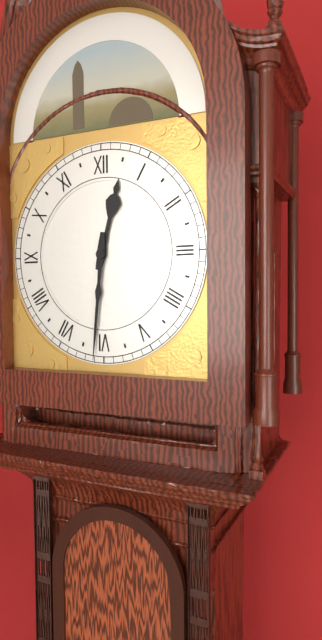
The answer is 12.31
